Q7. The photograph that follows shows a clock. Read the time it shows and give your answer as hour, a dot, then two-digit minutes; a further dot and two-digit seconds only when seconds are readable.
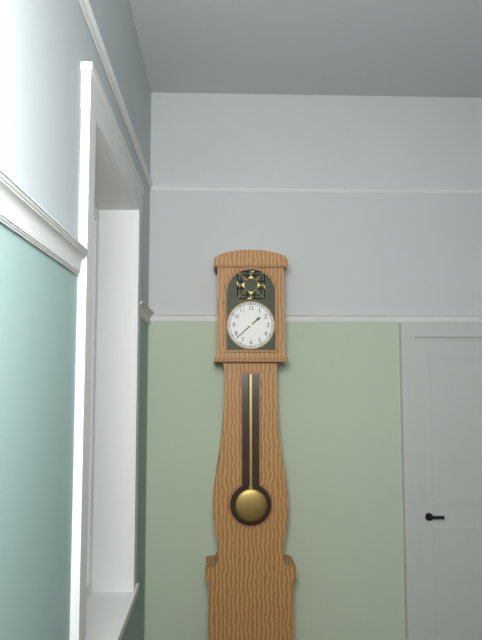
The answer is 1.38
